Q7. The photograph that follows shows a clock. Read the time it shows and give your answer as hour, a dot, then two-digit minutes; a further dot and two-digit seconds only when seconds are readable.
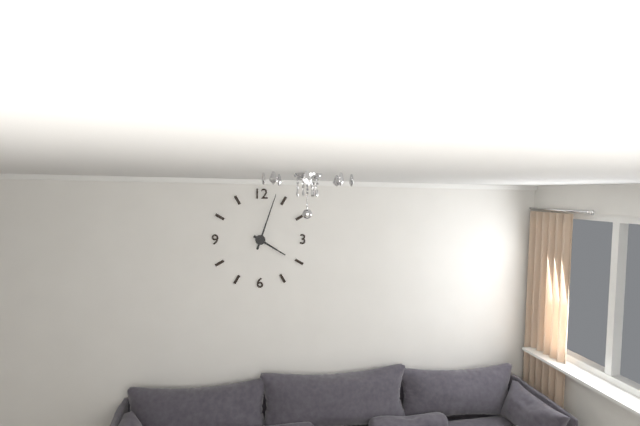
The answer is 4.03
